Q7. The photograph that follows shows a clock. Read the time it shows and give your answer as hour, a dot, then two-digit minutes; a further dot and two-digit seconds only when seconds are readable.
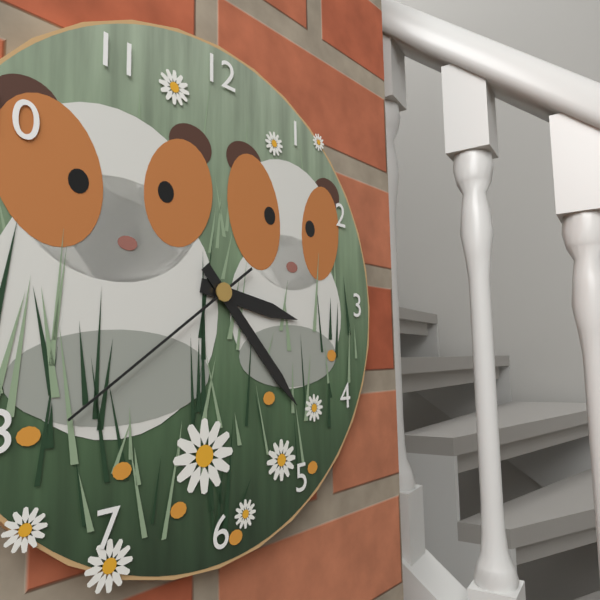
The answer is 3.23.39
